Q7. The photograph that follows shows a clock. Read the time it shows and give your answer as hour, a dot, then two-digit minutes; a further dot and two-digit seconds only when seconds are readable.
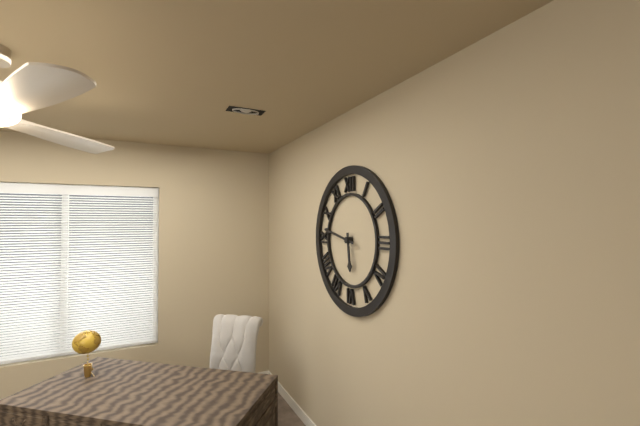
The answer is 5.47
